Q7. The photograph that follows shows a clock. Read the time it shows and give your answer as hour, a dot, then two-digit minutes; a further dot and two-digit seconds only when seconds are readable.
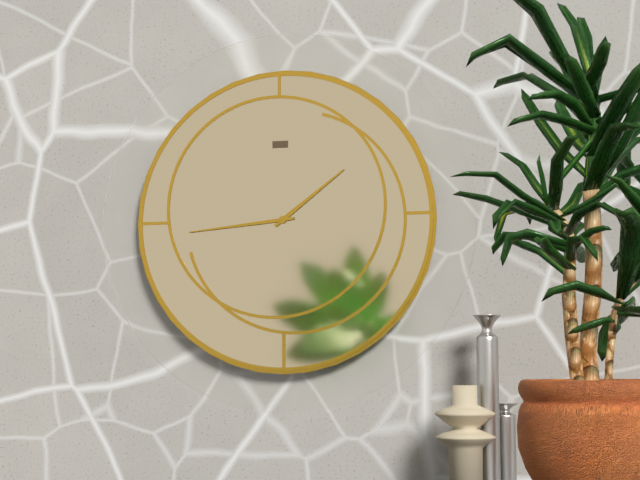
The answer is 1.44
